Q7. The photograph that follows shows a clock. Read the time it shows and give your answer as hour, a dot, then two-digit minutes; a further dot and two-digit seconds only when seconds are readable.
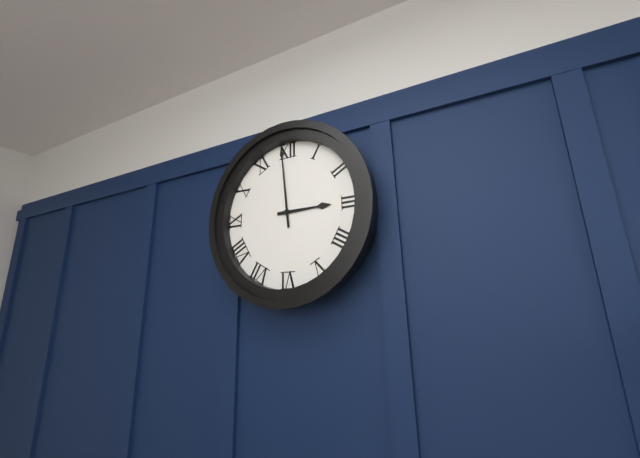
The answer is 2.59
